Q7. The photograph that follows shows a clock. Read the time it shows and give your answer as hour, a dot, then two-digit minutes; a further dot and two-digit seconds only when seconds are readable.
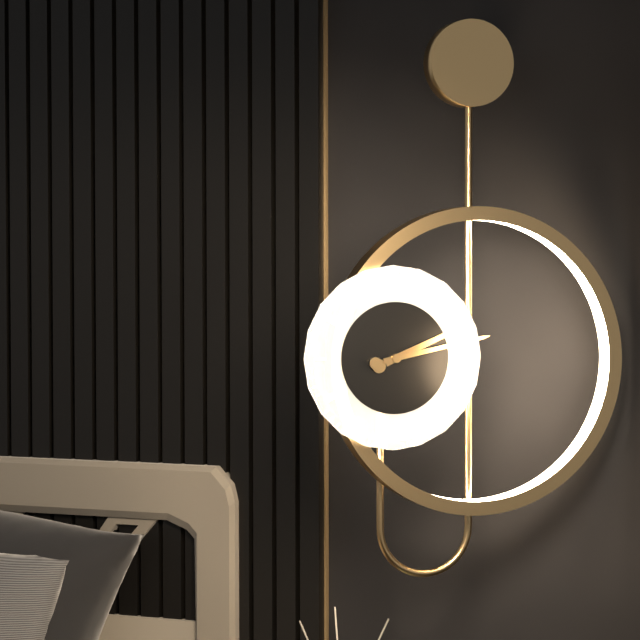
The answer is 2.13
